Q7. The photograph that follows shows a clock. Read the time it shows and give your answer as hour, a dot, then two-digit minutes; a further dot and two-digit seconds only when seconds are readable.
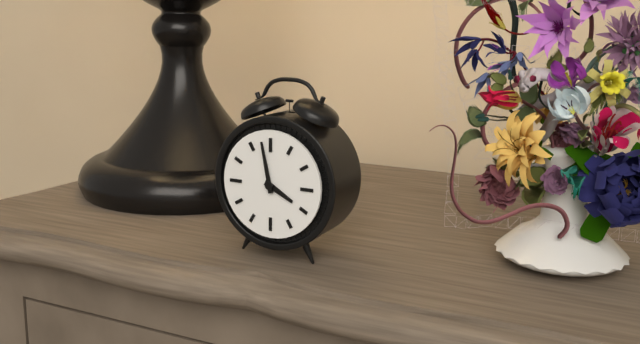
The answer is 3.58
